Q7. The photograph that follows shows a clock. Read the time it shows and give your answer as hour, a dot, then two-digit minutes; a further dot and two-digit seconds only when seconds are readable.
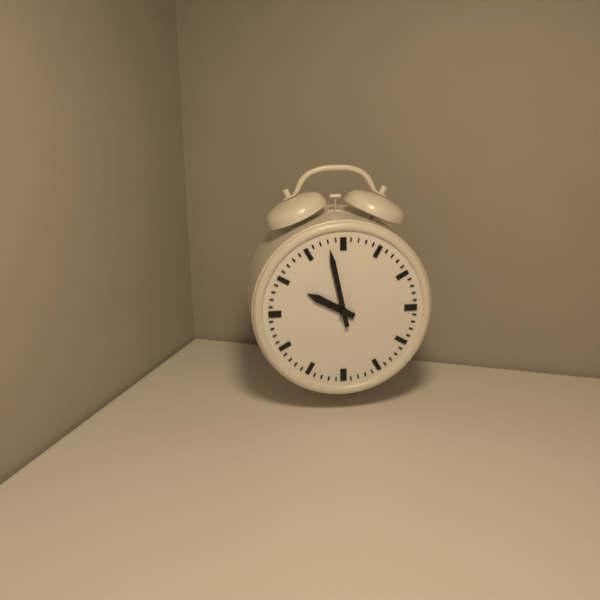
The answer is 9.58
